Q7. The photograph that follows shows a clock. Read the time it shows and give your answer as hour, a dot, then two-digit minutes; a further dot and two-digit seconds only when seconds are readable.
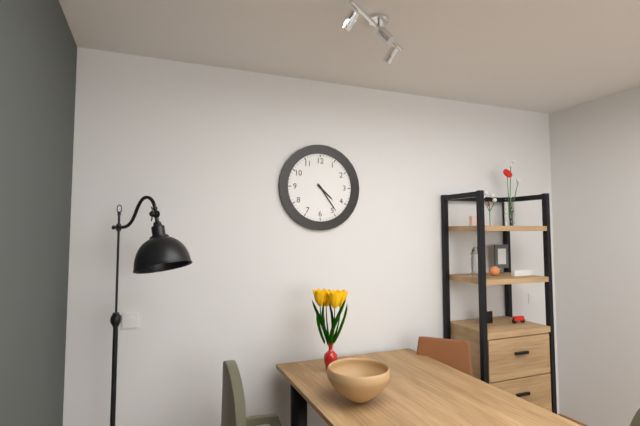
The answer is 4.24
